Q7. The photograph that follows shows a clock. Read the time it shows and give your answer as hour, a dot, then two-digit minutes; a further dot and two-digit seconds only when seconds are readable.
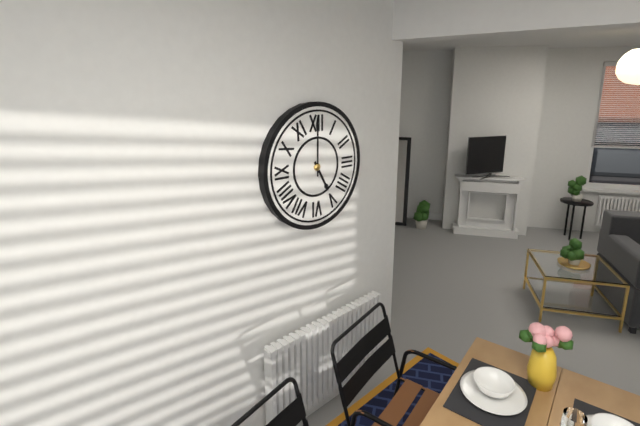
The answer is 5.00
